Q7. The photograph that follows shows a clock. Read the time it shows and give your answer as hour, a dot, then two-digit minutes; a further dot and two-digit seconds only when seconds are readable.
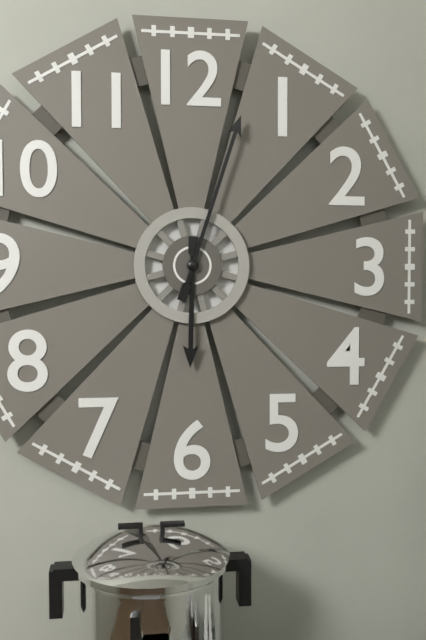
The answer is 6.03
